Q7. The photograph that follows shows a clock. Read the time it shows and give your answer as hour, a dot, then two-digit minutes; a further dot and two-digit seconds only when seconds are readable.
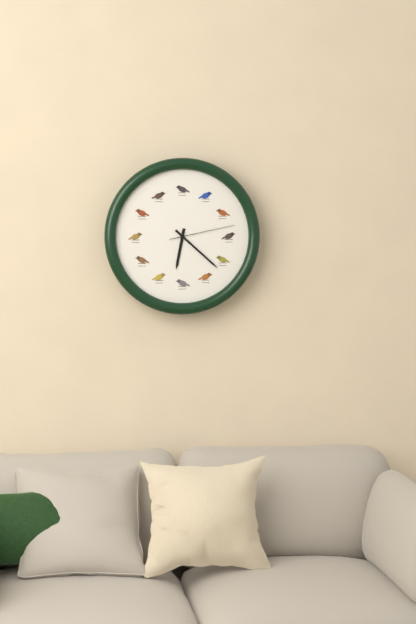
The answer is 6.22.13
